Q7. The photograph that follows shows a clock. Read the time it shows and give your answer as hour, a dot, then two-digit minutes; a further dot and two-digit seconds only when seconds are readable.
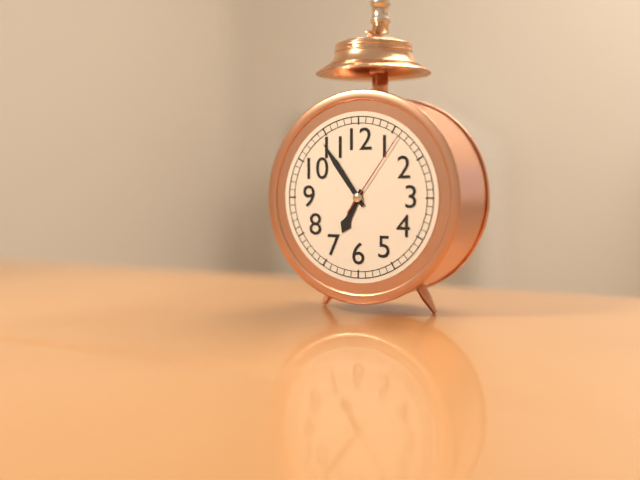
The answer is 6.54.06
